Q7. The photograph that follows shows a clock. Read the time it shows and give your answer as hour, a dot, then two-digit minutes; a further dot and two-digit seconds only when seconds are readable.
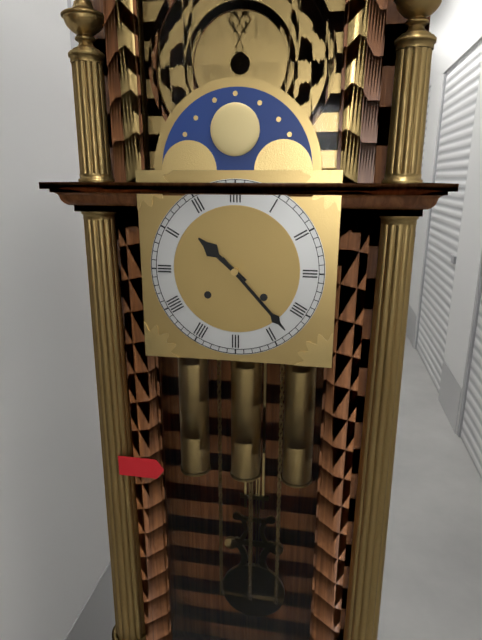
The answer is 10.23
